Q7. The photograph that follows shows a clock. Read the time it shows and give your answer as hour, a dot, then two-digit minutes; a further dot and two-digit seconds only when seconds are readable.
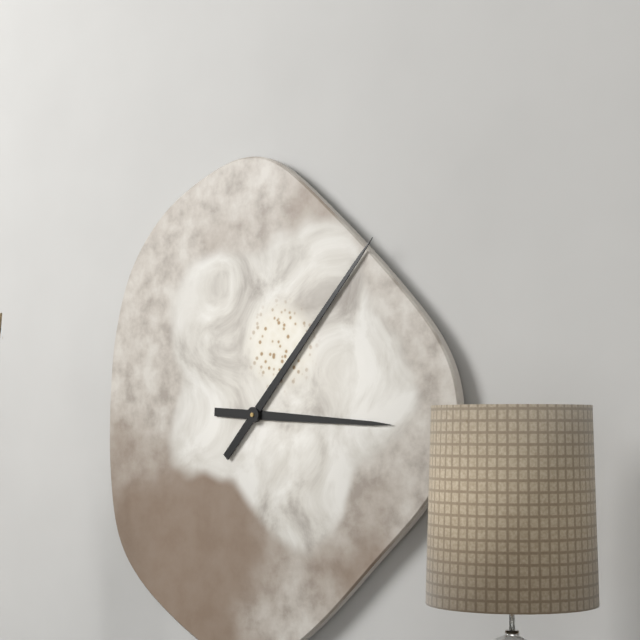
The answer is 3.07
